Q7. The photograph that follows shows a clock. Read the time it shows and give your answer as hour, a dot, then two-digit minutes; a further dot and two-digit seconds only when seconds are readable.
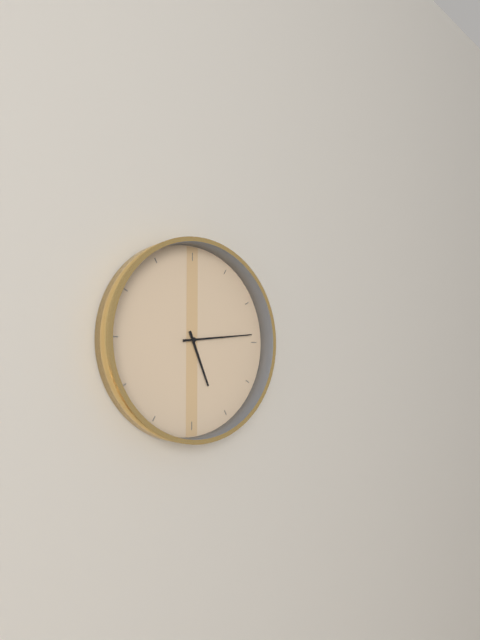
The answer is 5.14
